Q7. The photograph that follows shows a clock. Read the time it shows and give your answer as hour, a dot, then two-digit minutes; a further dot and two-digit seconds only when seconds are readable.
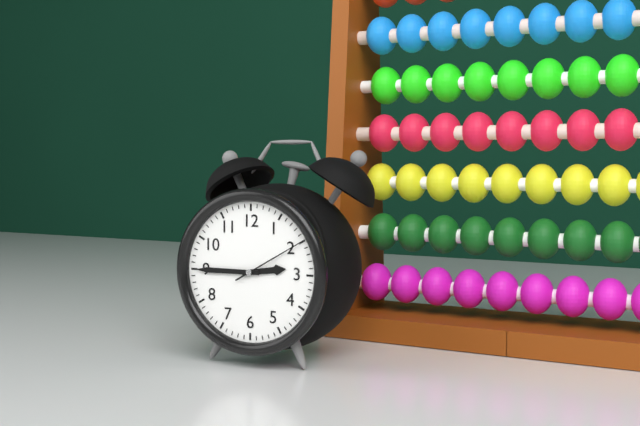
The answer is 2.45.10
